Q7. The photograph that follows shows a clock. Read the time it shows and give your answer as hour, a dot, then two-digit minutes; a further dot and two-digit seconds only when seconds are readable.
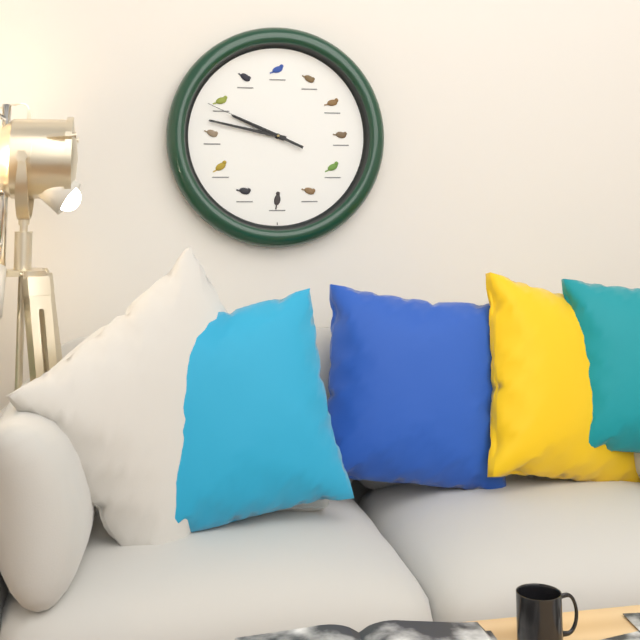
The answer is 9.47.49
